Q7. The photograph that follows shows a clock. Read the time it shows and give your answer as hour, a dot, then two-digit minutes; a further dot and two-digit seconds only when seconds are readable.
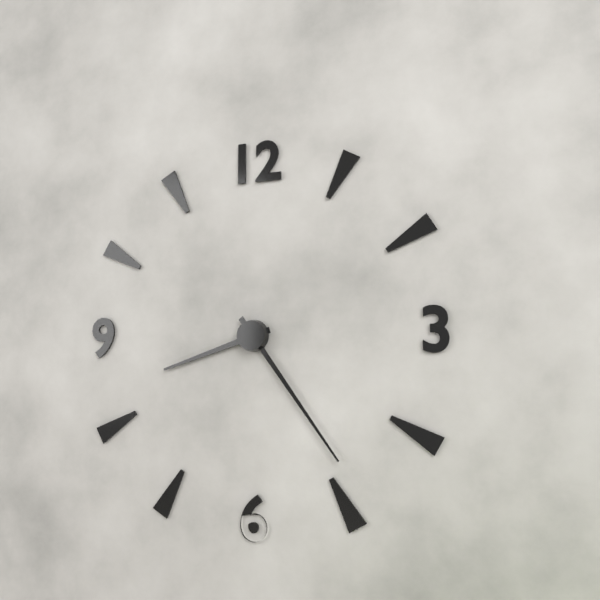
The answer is 8.24
